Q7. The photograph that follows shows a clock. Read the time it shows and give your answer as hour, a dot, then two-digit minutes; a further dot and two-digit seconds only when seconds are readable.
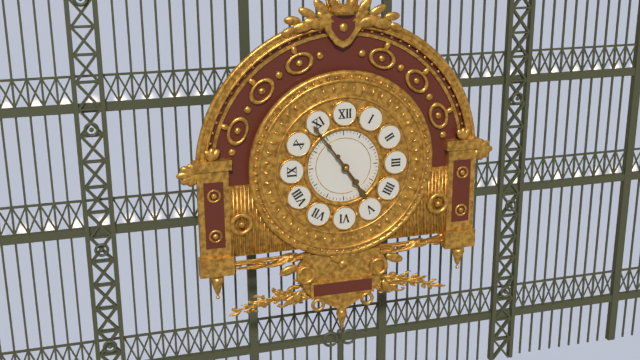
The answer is 4.54
